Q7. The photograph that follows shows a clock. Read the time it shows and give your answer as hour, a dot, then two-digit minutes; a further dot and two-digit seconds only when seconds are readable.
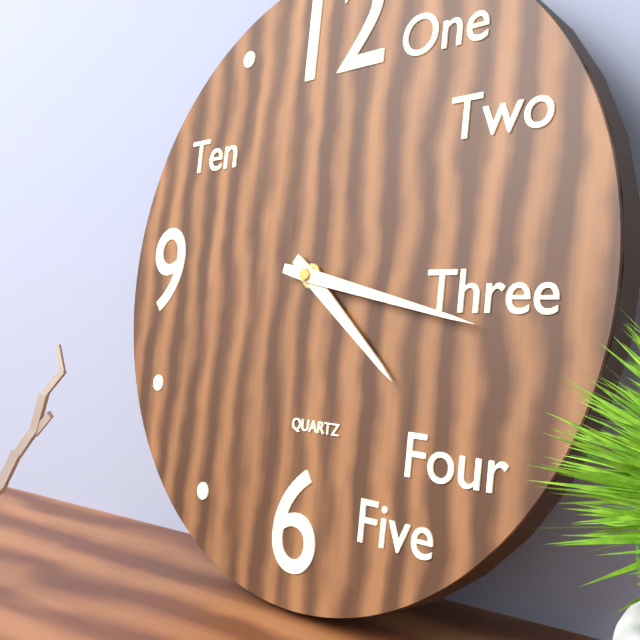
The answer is 4.17
